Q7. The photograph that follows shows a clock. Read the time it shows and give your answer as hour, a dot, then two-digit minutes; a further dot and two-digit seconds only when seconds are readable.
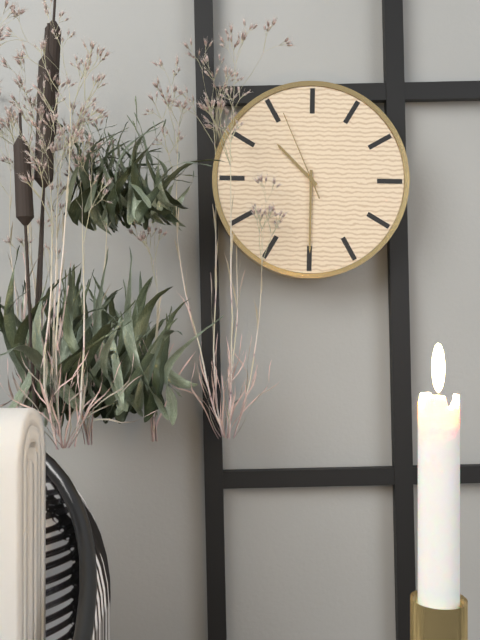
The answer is 10.30.56
